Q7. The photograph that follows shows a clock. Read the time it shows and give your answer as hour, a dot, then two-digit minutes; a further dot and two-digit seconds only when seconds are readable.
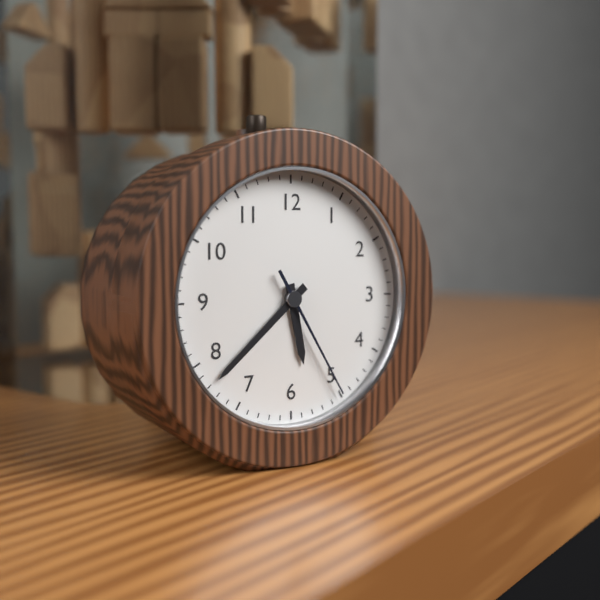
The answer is 5.38.25
